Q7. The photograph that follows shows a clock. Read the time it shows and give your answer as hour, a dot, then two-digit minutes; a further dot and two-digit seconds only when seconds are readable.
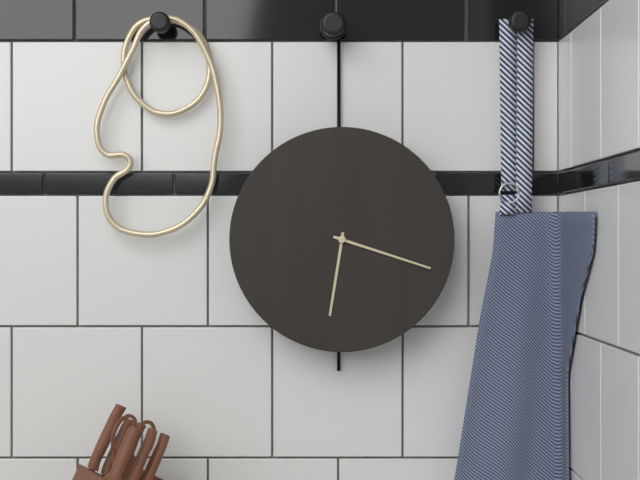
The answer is 6.18
